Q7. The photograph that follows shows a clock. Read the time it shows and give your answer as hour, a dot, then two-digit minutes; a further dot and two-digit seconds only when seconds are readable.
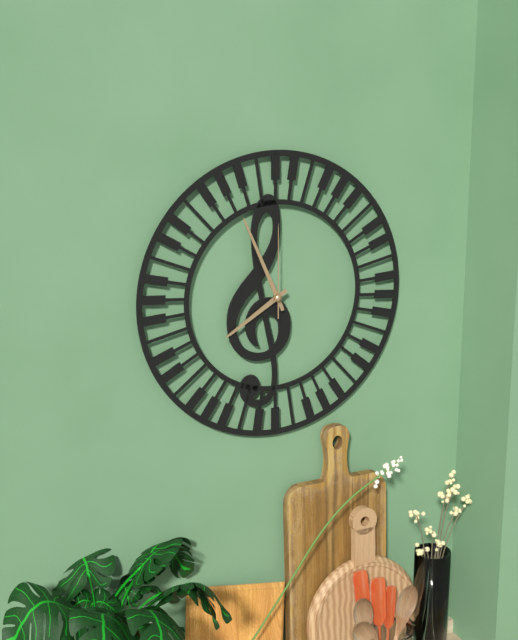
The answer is 7.56.00
